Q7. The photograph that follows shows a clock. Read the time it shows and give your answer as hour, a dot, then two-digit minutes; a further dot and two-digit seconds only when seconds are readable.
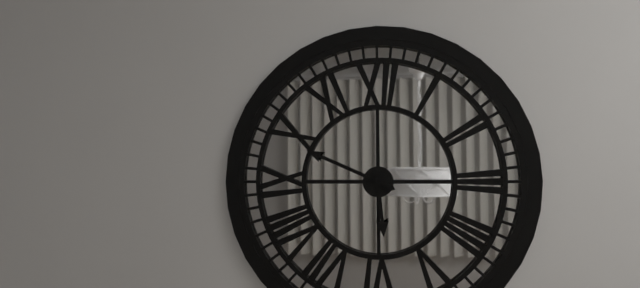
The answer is 5.49
